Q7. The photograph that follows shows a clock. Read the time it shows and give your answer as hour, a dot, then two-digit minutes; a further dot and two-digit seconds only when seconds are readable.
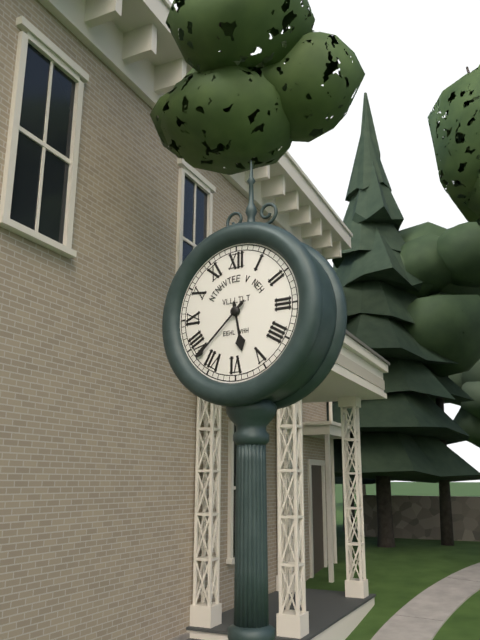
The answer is 5.38
